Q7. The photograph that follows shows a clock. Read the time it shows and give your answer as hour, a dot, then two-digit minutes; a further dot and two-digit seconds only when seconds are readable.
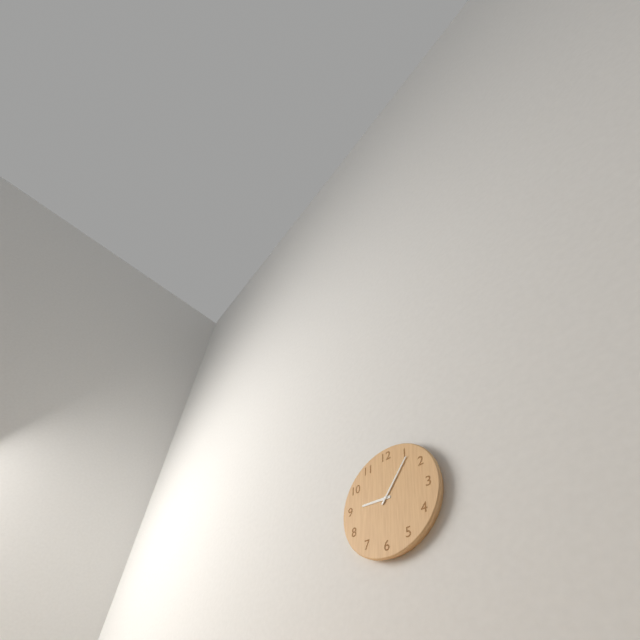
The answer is 9.06
